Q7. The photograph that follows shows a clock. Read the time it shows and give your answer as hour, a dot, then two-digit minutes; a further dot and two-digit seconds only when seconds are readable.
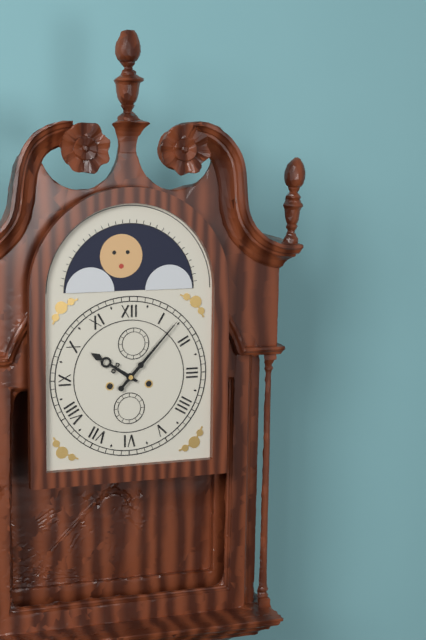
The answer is 10.07
